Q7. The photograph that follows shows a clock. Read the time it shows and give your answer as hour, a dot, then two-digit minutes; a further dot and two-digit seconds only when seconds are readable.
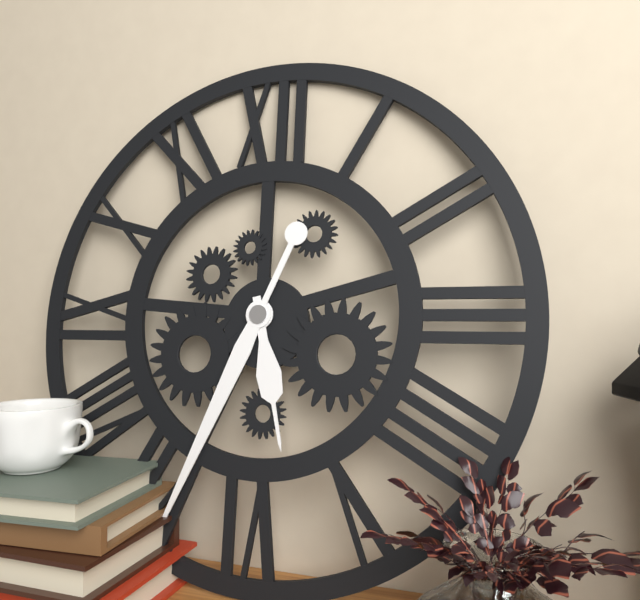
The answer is 5.34
